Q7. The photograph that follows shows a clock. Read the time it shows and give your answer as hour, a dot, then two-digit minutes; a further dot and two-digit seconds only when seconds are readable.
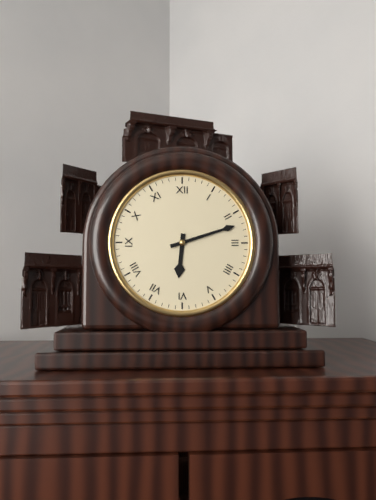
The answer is 6.12
